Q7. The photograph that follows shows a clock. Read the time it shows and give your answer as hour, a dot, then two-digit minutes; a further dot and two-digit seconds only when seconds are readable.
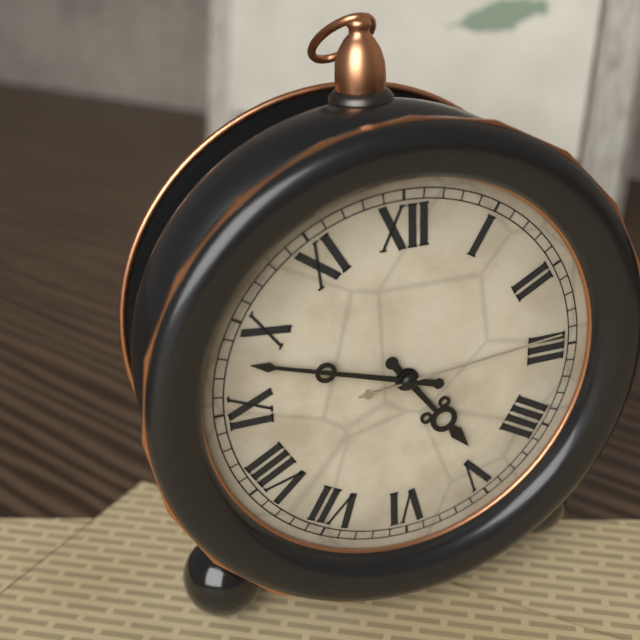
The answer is 4.48.14
